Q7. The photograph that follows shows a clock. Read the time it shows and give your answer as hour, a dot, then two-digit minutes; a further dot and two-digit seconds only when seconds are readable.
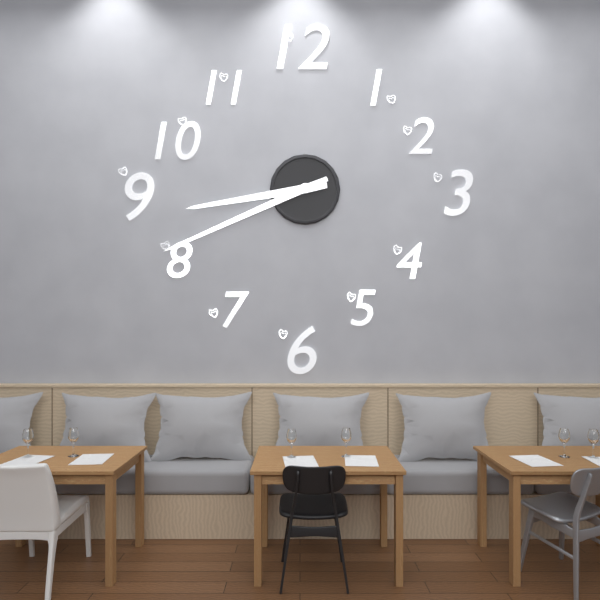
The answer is 8.41
